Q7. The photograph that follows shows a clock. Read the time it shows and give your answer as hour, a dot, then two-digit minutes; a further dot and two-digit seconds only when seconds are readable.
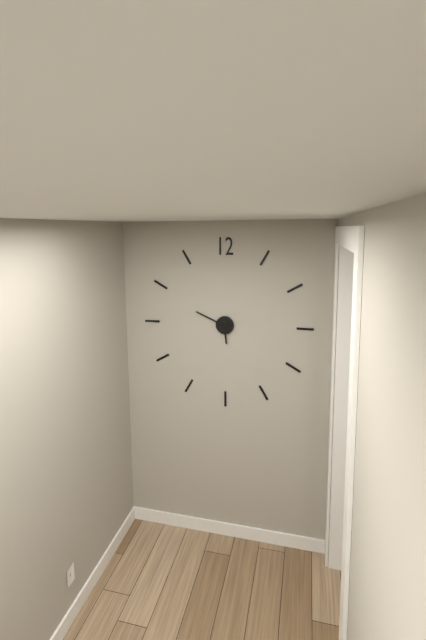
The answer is 5.49
